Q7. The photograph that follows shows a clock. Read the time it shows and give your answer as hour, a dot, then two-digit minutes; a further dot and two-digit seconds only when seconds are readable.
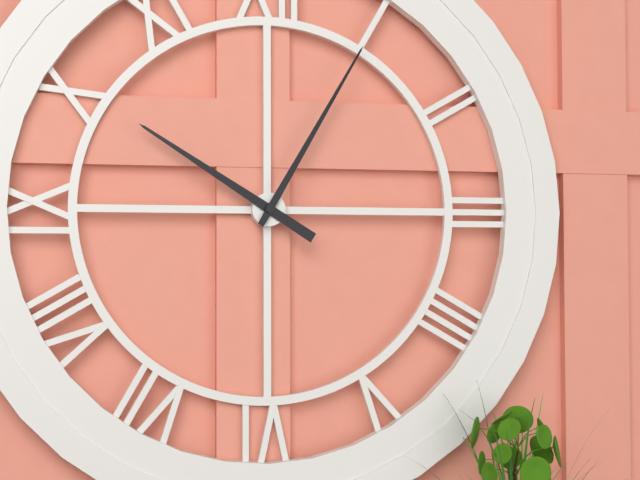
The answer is 10.05
